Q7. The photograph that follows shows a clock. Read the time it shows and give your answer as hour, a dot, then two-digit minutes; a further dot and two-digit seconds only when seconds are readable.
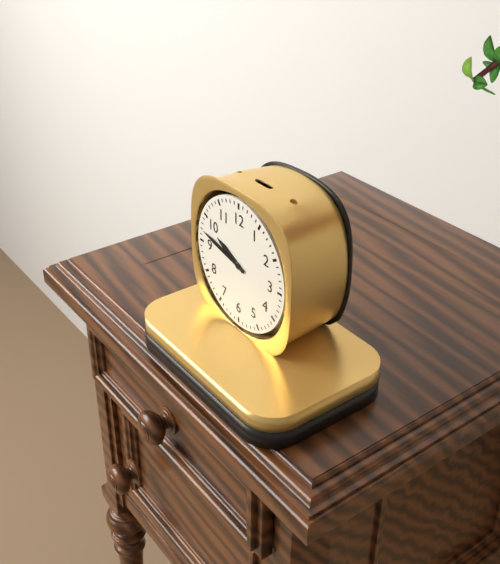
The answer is 9.47
